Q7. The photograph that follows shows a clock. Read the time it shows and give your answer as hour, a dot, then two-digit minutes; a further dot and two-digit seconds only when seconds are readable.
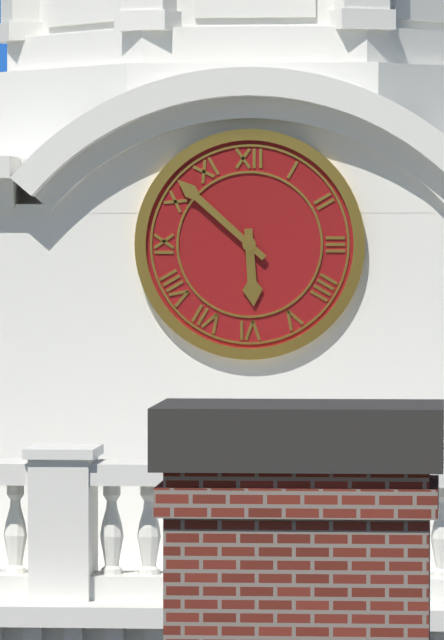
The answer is 5.52
